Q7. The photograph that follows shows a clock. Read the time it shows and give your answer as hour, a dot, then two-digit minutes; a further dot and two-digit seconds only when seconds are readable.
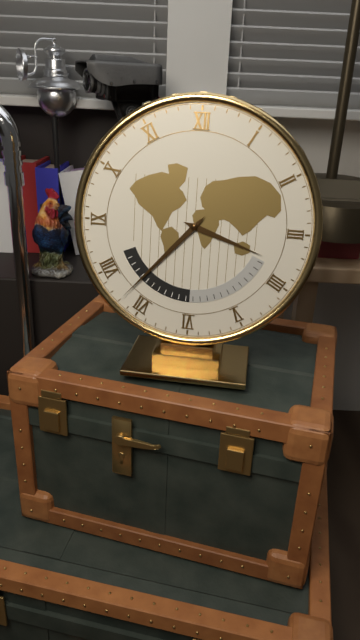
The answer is 3.37
